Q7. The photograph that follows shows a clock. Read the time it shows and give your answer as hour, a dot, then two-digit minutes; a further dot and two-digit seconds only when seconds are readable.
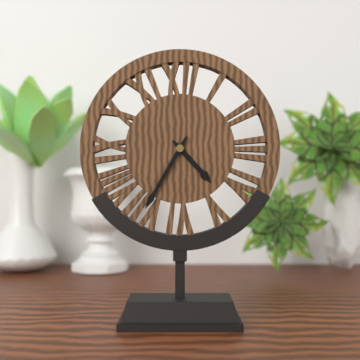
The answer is 4.35
